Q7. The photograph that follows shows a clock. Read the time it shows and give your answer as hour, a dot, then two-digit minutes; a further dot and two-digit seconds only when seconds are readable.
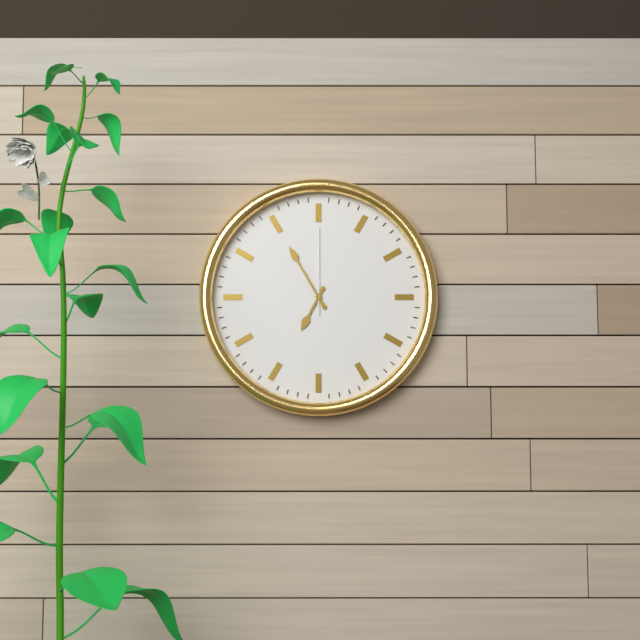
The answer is 6.55.00
